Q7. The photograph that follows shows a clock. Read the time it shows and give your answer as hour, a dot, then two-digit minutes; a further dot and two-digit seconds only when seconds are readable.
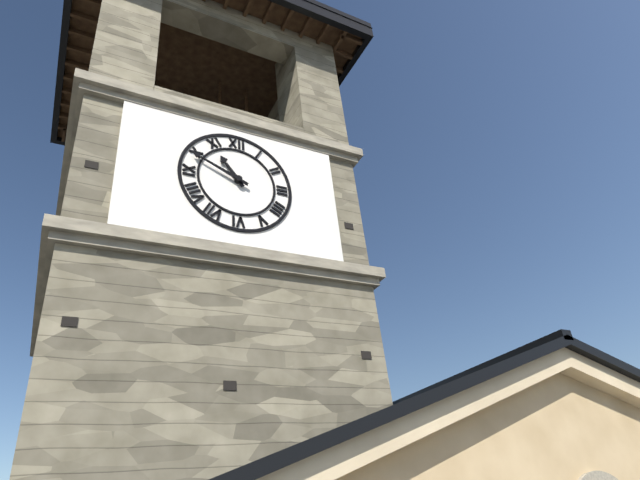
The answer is 10.49
